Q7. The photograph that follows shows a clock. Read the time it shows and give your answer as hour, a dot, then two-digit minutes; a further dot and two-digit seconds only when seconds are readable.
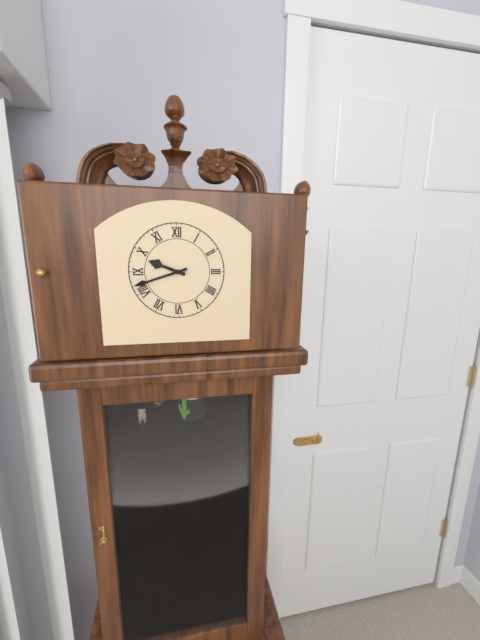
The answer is 9.42
